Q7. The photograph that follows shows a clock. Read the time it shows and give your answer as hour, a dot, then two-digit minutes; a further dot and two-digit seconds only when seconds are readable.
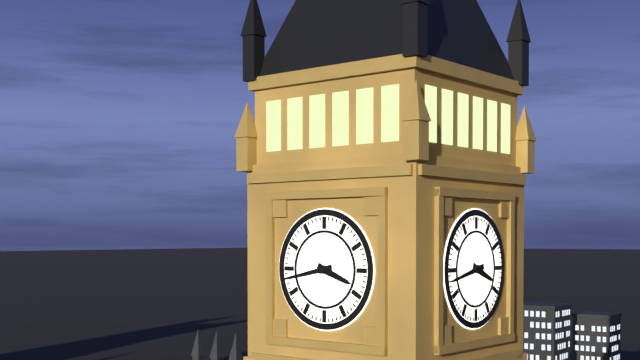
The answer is 3.43
